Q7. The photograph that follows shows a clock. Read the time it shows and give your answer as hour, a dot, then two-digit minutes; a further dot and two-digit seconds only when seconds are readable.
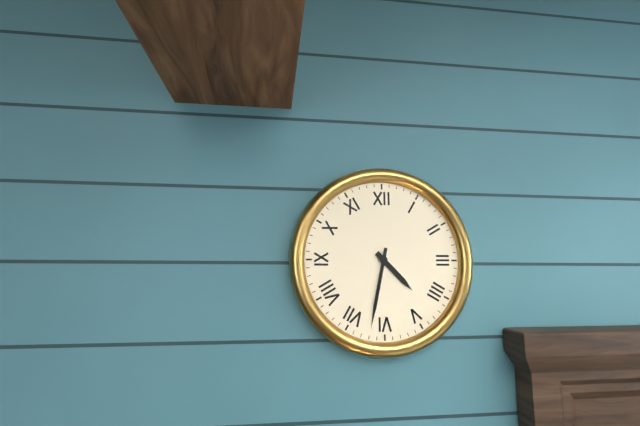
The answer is 4.32
